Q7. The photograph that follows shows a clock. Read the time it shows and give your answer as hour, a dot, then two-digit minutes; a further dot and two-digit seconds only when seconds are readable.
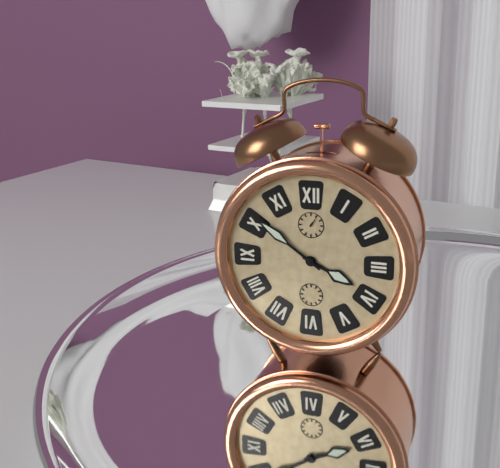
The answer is 3.51
